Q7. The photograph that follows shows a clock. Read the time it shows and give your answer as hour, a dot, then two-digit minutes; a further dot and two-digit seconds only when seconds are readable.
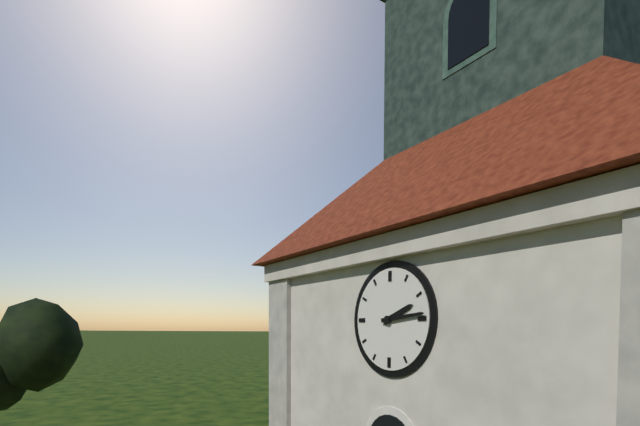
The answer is 2.14
